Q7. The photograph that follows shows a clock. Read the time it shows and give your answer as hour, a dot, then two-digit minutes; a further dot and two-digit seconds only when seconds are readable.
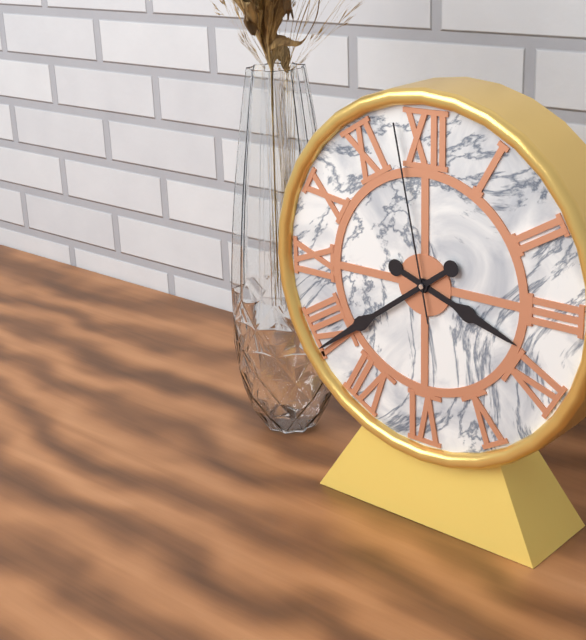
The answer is 3.39.58
